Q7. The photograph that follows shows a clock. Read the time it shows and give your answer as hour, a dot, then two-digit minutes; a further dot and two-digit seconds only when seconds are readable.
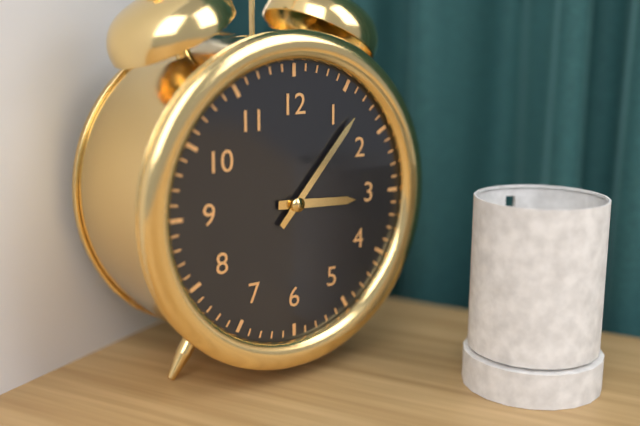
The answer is 3.07
